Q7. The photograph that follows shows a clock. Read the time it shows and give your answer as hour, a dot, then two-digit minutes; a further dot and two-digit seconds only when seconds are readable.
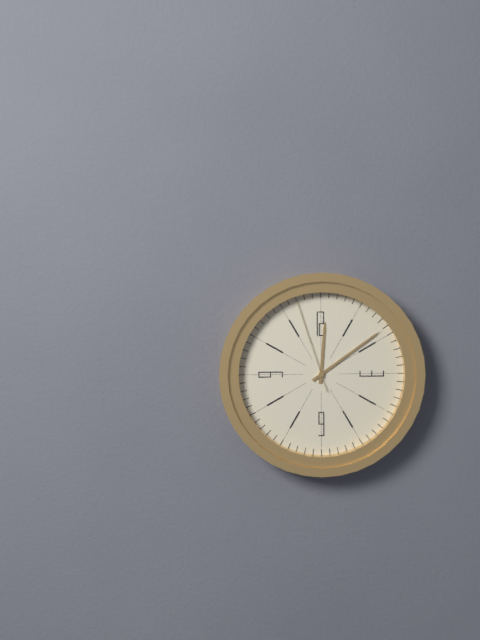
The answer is 12.09.57
